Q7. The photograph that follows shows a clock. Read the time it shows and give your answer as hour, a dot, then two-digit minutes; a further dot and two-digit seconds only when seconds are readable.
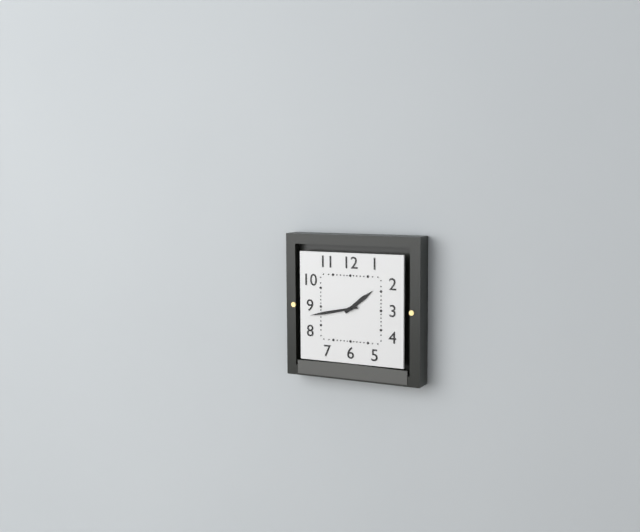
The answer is 1.43
